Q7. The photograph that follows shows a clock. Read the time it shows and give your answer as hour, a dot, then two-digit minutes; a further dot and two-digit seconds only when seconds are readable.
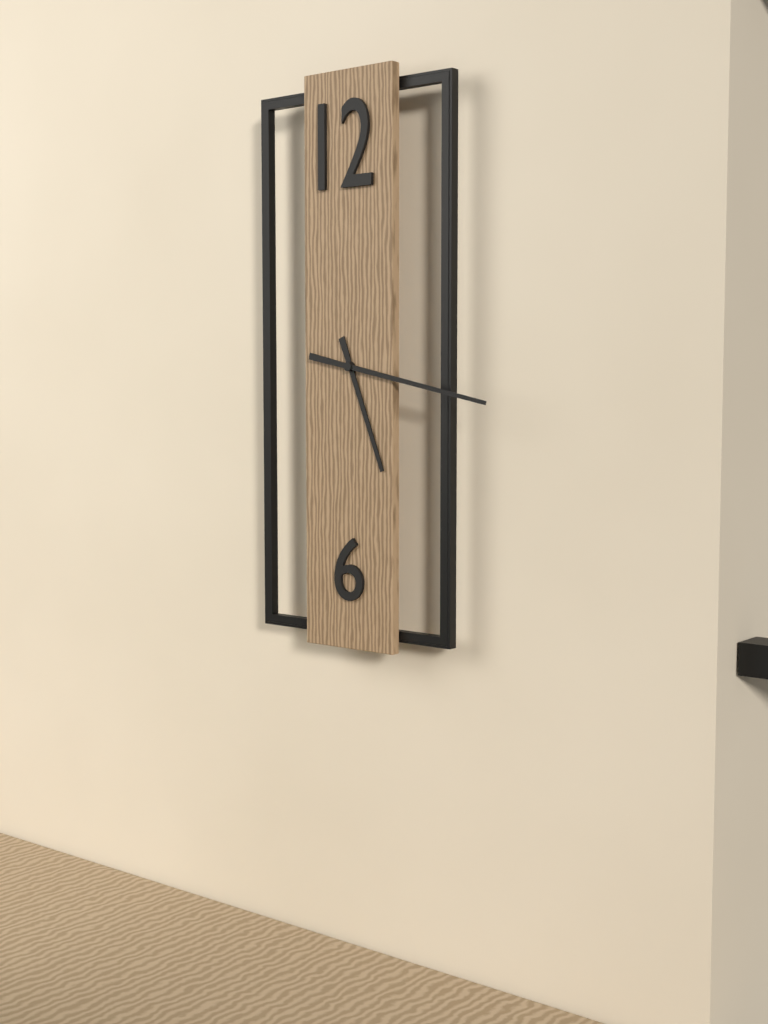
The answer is 5.17
